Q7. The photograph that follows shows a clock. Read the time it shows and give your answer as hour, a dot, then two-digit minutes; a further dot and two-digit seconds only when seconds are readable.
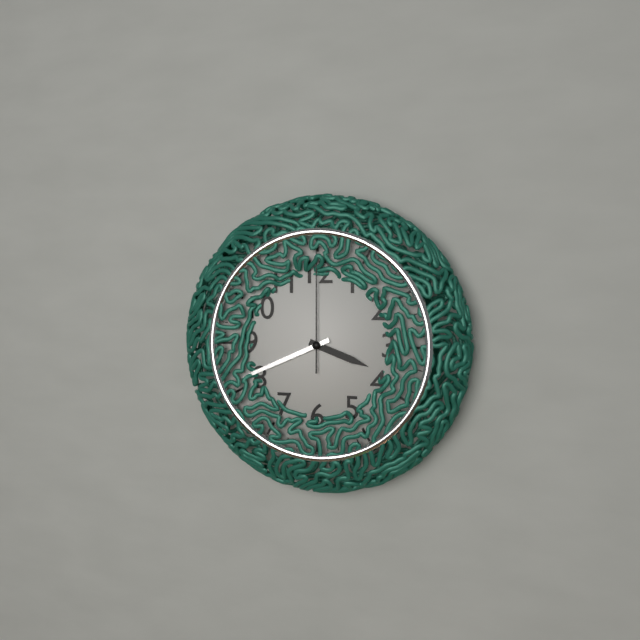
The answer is 3.41.00
